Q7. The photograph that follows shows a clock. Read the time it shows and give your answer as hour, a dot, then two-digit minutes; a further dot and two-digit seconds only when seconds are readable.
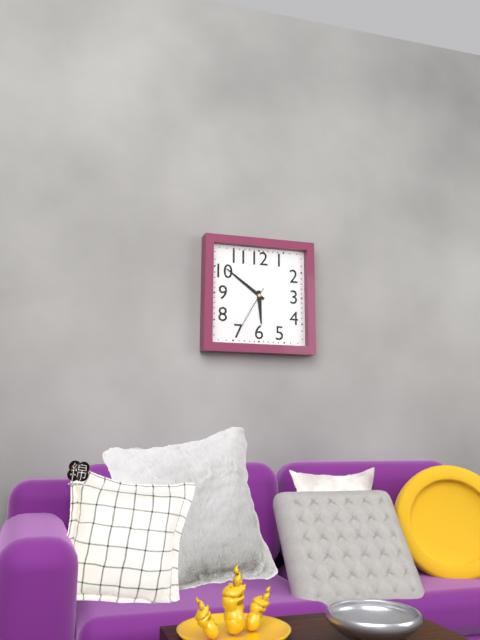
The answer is 5.51.35
